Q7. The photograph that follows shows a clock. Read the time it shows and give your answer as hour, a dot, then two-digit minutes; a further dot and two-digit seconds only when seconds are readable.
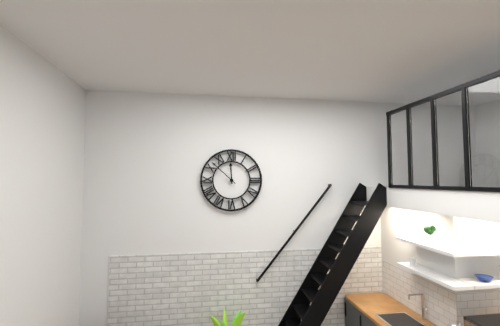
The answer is 11.52
